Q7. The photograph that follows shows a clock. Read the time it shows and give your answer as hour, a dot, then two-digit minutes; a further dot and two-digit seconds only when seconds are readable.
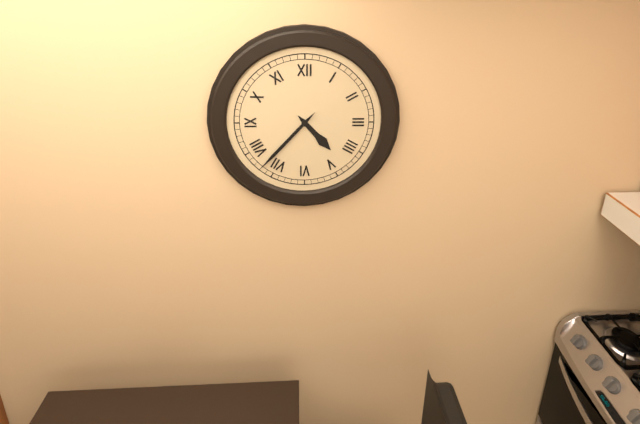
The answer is 4.37
